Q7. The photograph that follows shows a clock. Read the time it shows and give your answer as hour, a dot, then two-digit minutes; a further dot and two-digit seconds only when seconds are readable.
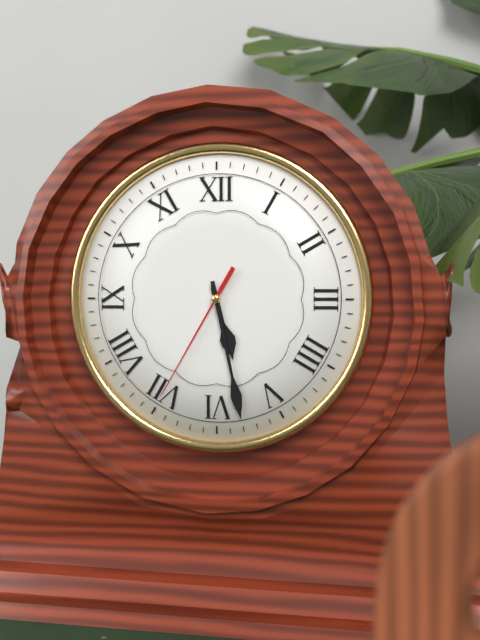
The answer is 5.28.35
